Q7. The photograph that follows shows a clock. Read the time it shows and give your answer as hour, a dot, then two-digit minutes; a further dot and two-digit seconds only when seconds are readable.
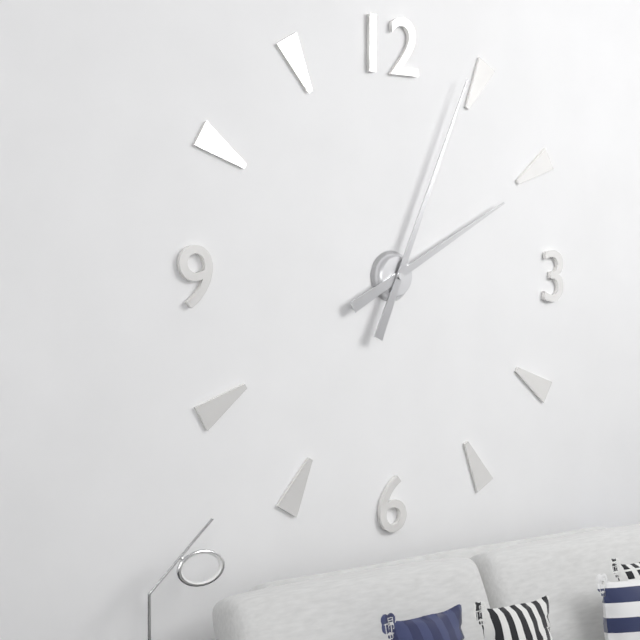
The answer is 2.04
